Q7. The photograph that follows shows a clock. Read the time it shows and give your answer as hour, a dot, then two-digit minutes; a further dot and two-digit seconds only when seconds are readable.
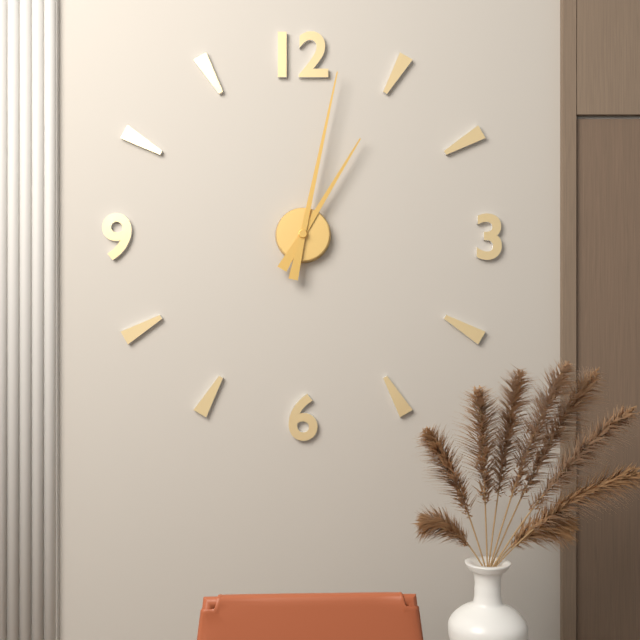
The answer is 1.02
